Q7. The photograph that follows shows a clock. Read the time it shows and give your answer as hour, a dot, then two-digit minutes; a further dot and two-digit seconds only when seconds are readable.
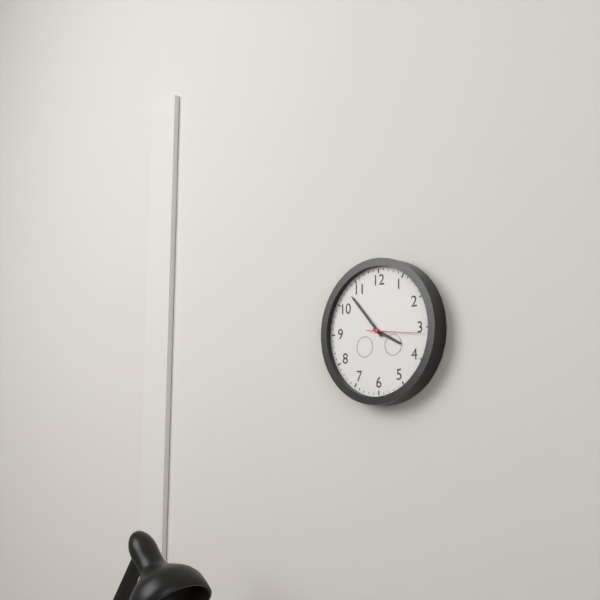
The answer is 3.53.16
